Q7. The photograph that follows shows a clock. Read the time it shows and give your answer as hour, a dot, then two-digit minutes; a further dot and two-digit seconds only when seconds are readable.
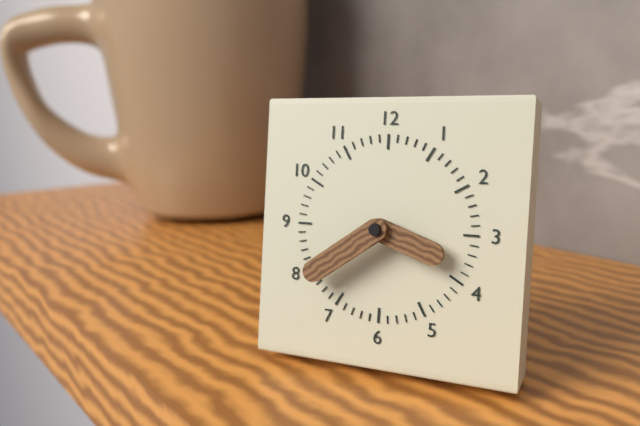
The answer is 3.39
